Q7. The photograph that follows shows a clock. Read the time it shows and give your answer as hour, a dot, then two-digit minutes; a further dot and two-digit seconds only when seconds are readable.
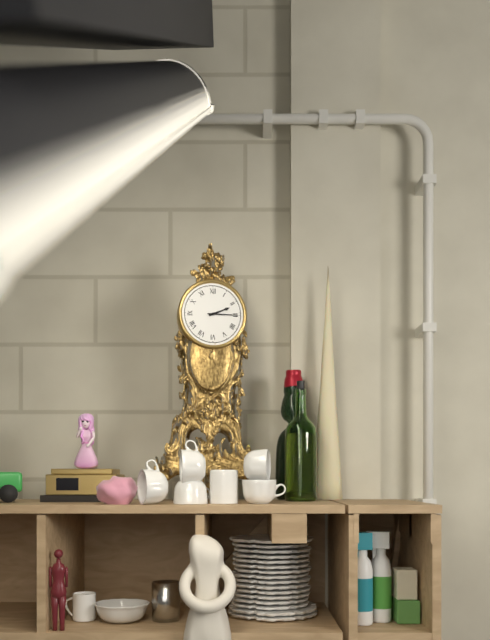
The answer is 2.15
